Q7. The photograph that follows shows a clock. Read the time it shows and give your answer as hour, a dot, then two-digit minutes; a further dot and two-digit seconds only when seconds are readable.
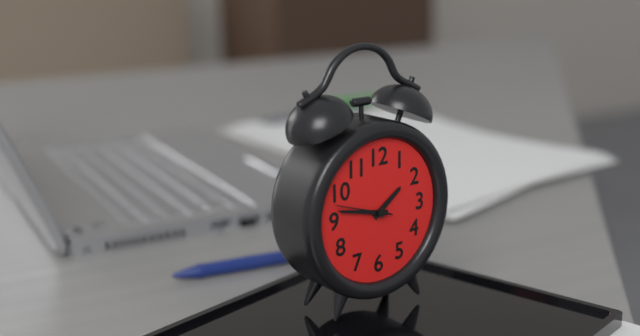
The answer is 1.47.48
